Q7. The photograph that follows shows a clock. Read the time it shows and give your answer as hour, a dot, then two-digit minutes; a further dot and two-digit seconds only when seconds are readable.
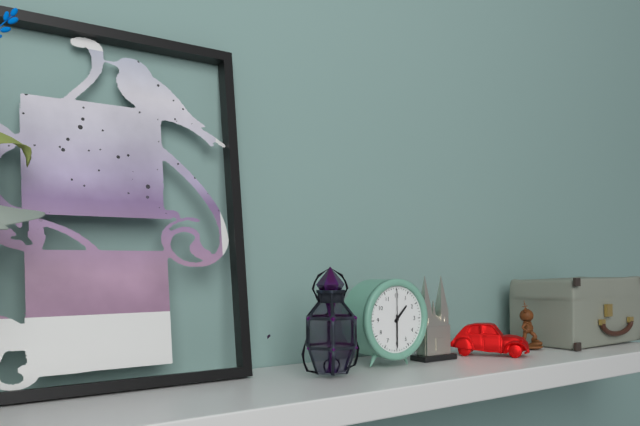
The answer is 1.30
